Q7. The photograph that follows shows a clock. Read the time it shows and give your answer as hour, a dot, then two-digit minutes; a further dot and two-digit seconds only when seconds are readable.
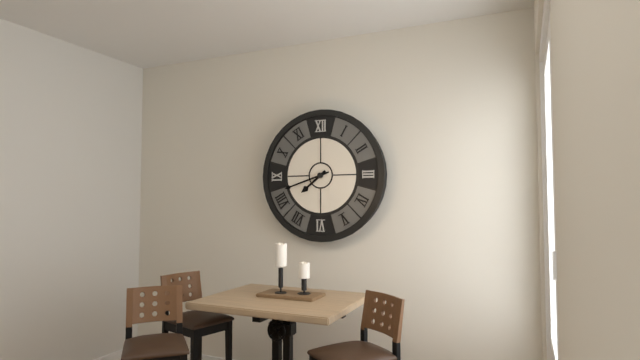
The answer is 7.42
